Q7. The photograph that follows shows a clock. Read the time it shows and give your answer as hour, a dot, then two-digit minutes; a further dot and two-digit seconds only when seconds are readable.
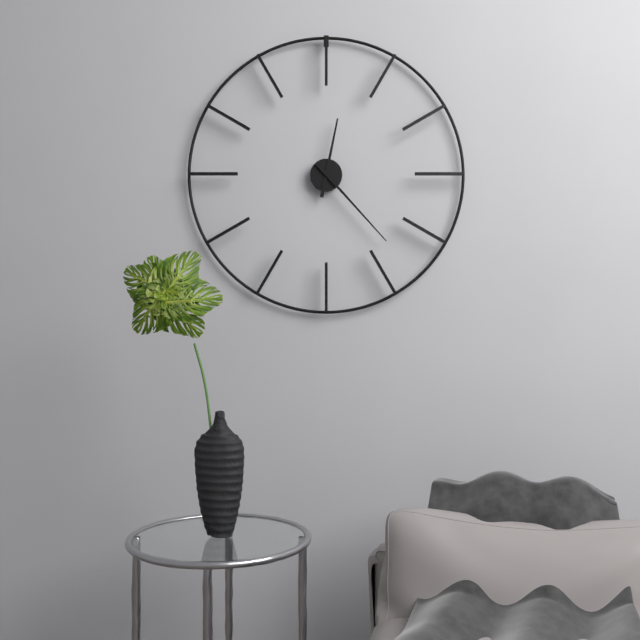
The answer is 12.23
